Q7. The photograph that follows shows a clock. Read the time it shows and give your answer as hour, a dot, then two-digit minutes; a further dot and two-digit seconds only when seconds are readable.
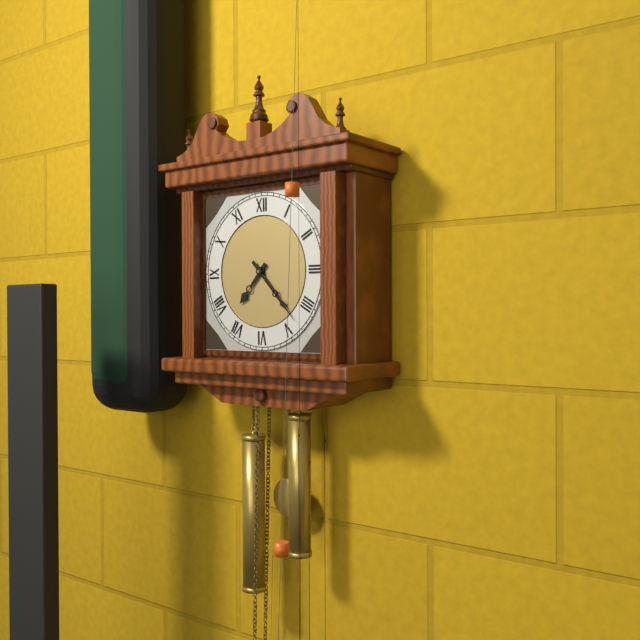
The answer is 7.23
